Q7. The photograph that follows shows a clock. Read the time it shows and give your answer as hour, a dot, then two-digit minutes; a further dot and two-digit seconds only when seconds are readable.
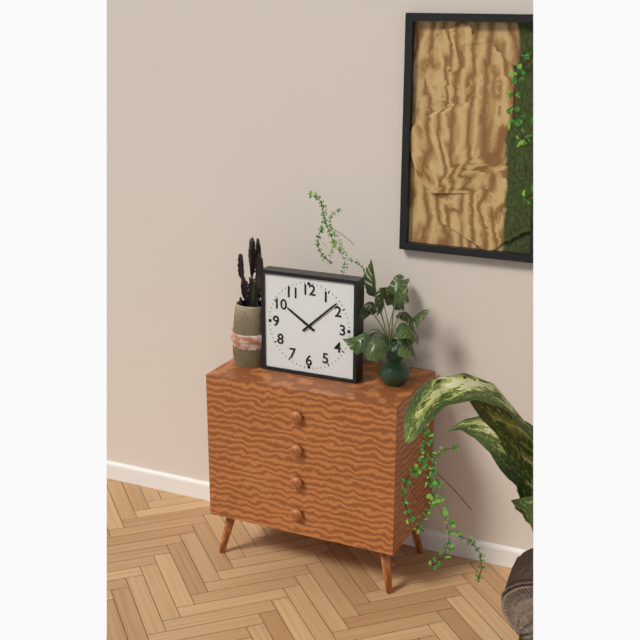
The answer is 10.08
